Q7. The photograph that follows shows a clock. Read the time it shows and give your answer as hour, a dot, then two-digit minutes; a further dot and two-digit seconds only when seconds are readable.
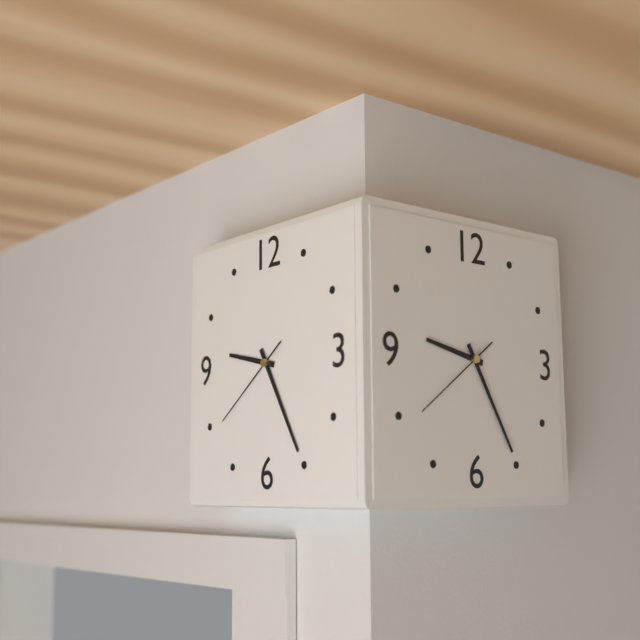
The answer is 9.25.39
